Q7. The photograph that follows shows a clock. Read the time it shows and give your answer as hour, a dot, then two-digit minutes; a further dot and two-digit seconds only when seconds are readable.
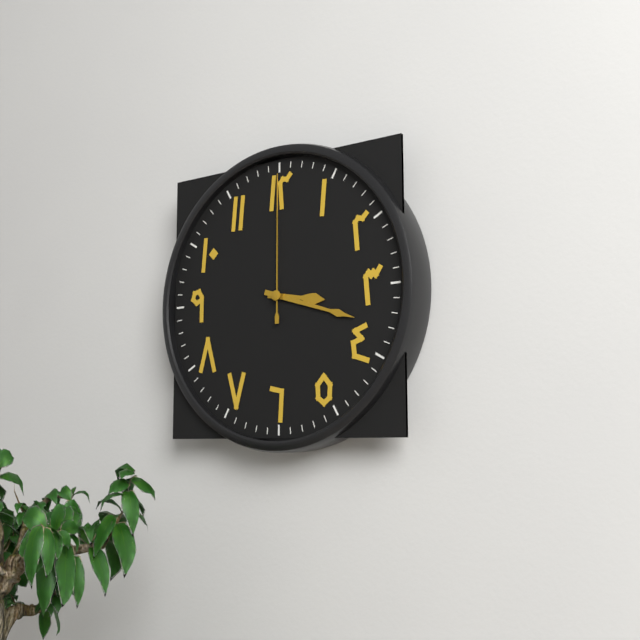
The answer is 3.18.00
